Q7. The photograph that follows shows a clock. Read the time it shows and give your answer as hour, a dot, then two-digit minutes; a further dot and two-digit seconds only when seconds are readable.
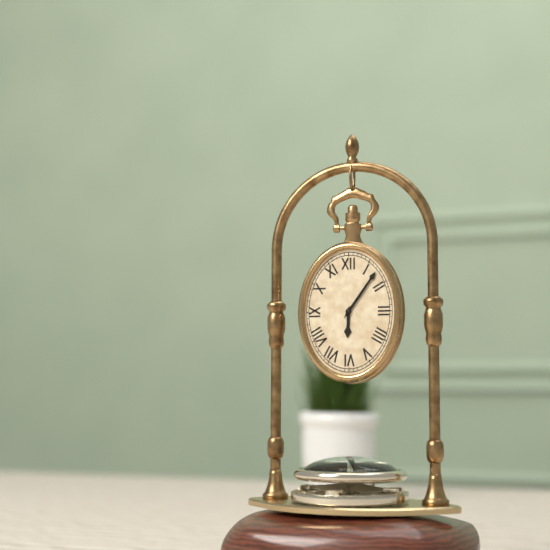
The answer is 6.06
